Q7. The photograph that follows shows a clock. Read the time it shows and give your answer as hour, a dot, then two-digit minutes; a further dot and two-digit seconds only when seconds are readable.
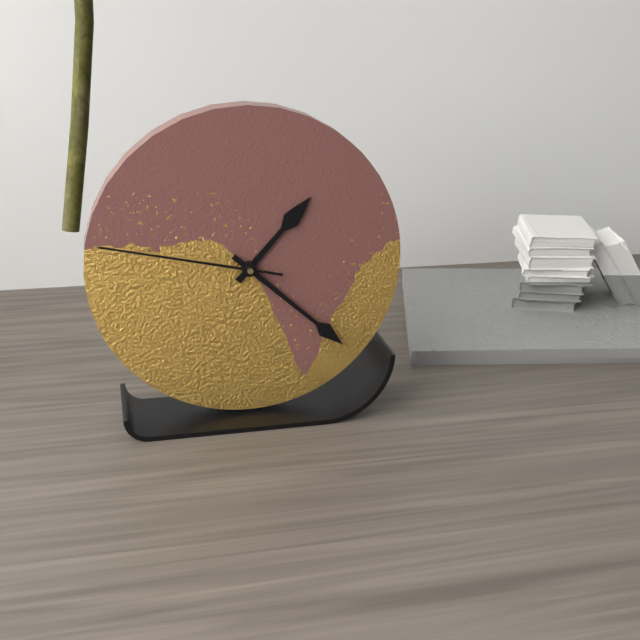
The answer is 1.22.47
